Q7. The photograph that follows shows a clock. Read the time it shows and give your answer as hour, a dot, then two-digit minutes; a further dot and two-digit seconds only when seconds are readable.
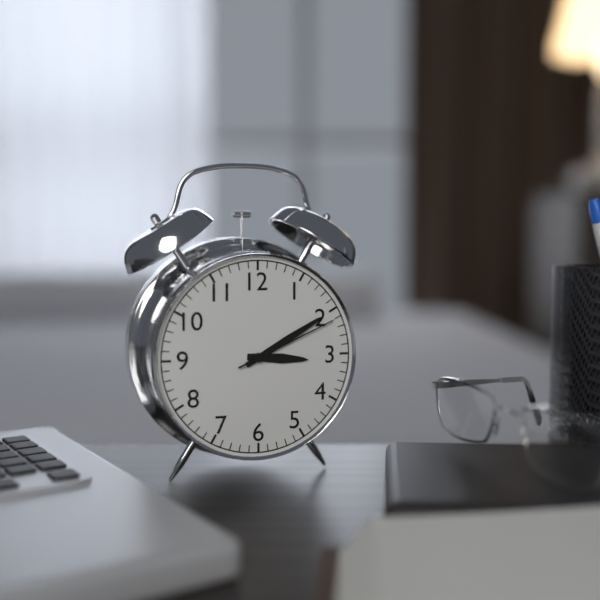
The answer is 3.10.11
